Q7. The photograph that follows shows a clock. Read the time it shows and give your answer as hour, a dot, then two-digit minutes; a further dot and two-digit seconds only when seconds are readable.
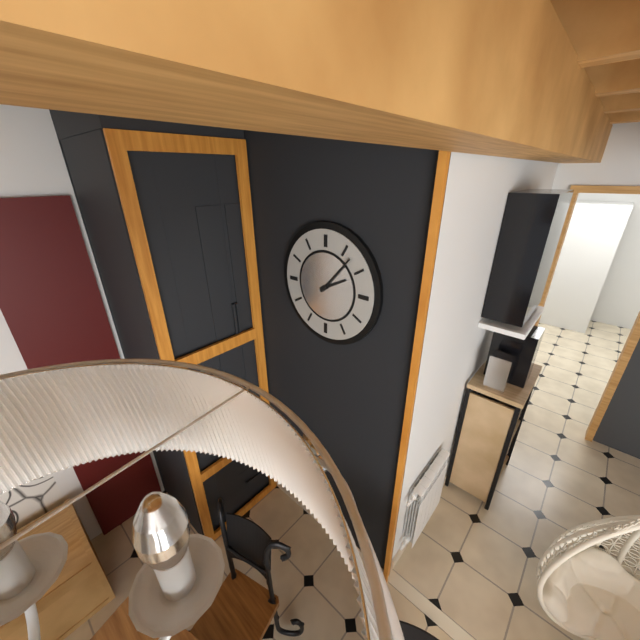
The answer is 2.07
